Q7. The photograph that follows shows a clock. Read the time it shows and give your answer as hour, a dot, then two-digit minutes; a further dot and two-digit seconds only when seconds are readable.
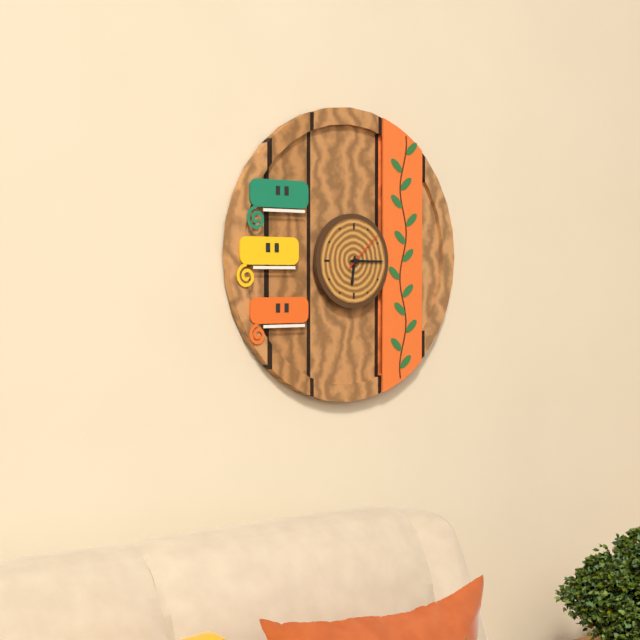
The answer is 6.15
